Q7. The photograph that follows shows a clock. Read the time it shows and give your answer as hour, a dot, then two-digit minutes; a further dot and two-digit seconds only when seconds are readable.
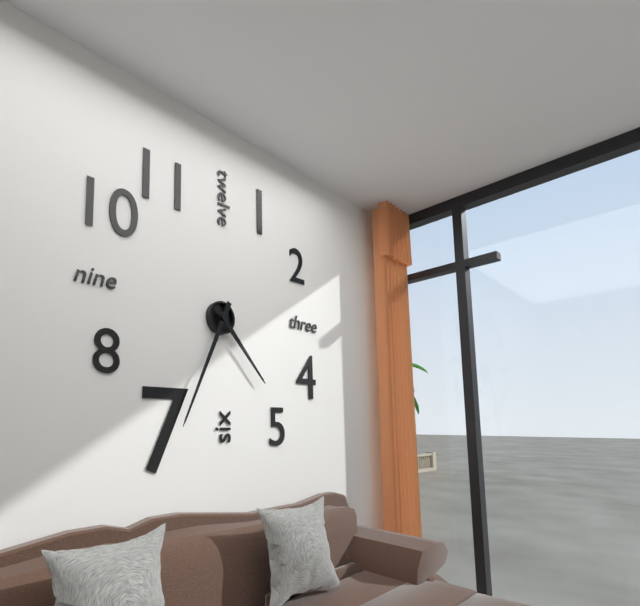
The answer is 4.34
